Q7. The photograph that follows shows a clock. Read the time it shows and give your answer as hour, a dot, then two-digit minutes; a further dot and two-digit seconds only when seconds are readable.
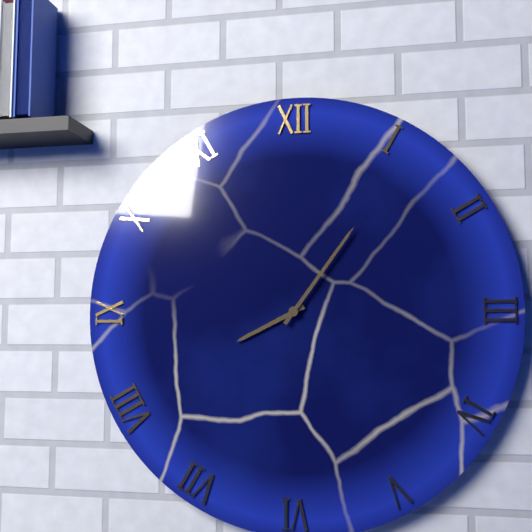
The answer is 8.06
